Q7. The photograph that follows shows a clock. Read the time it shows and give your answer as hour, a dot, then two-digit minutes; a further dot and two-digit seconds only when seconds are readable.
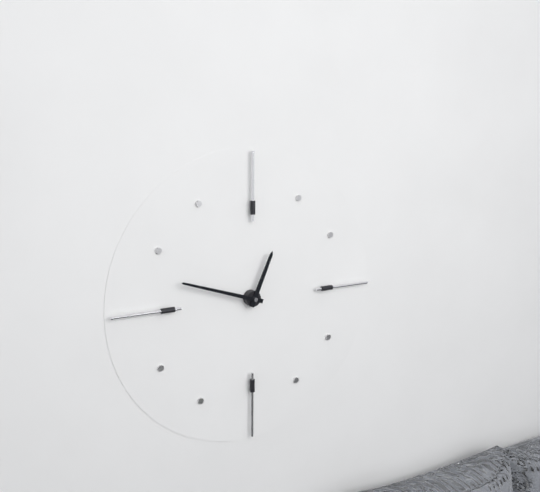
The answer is 12.48
